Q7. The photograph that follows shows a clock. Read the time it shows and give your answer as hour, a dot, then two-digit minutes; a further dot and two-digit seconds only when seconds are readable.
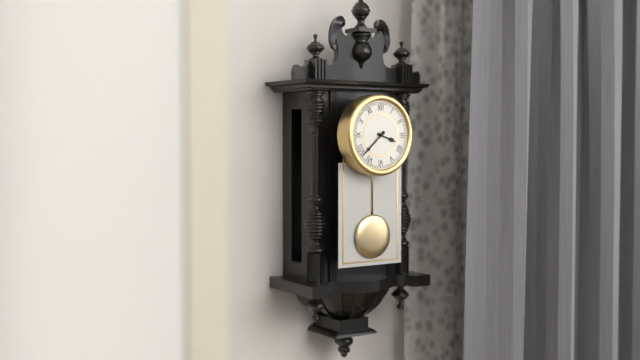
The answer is 3.38
